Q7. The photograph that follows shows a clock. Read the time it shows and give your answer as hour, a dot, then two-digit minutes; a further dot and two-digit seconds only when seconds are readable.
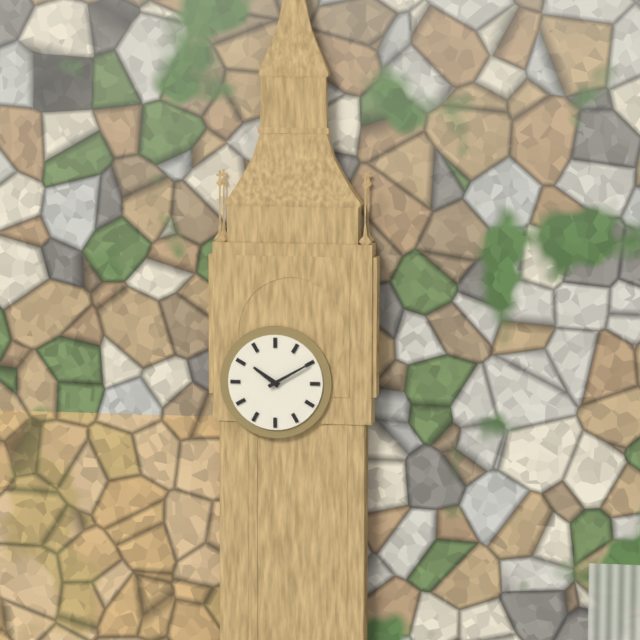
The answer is 10.10
